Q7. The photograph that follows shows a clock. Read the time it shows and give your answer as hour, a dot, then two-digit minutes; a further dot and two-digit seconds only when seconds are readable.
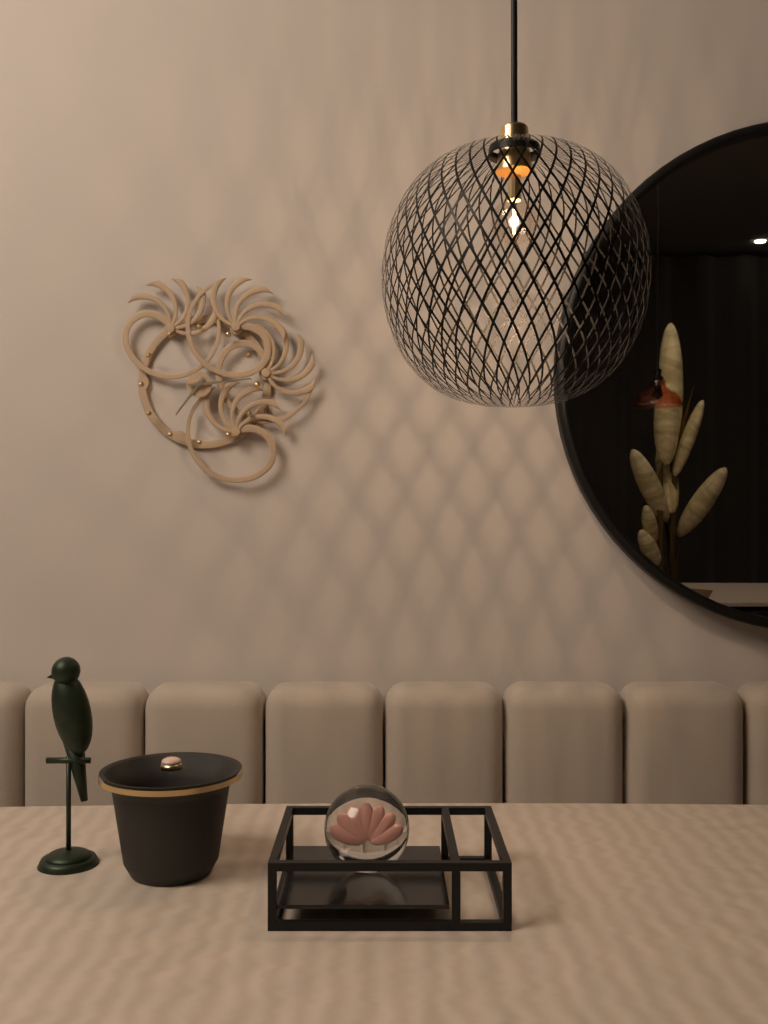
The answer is 7.14
